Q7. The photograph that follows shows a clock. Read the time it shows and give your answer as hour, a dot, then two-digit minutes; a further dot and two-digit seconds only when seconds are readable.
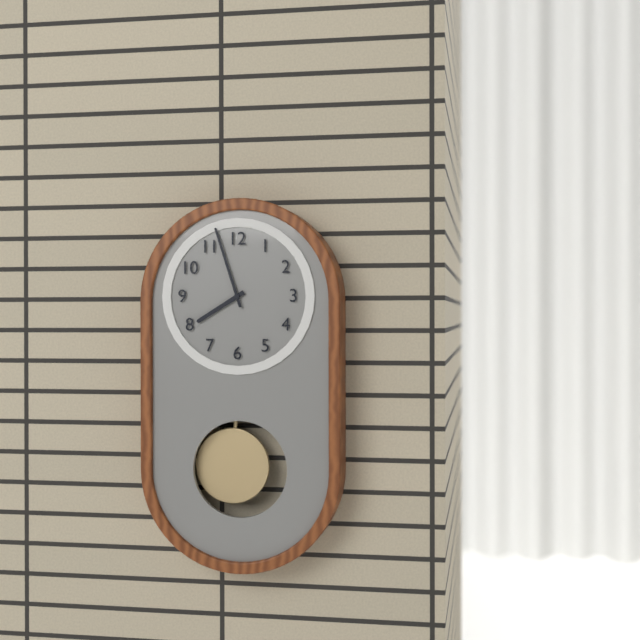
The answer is 7.57
